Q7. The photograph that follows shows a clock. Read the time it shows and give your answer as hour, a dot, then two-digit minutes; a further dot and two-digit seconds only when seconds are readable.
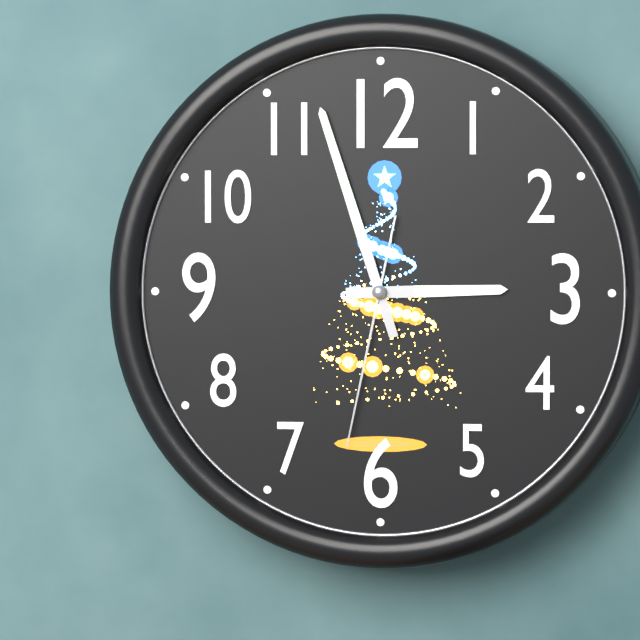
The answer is 2.57.32
